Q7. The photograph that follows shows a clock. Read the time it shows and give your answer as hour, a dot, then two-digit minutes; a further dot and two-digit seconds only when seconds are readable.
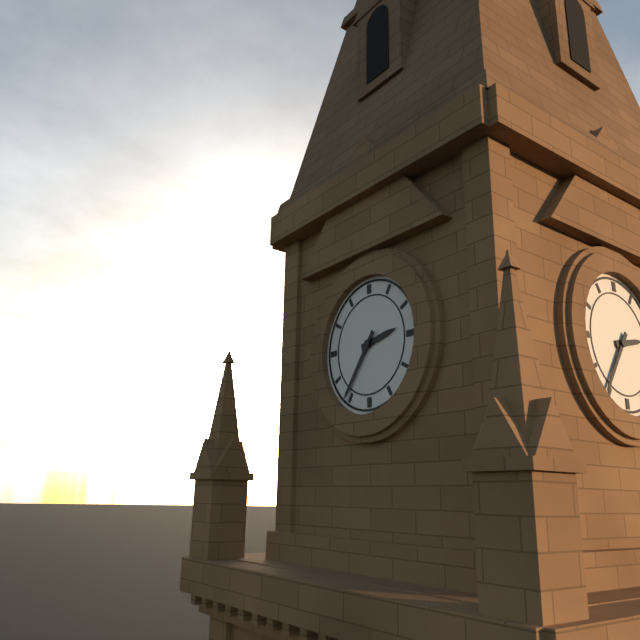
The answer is 2.36
